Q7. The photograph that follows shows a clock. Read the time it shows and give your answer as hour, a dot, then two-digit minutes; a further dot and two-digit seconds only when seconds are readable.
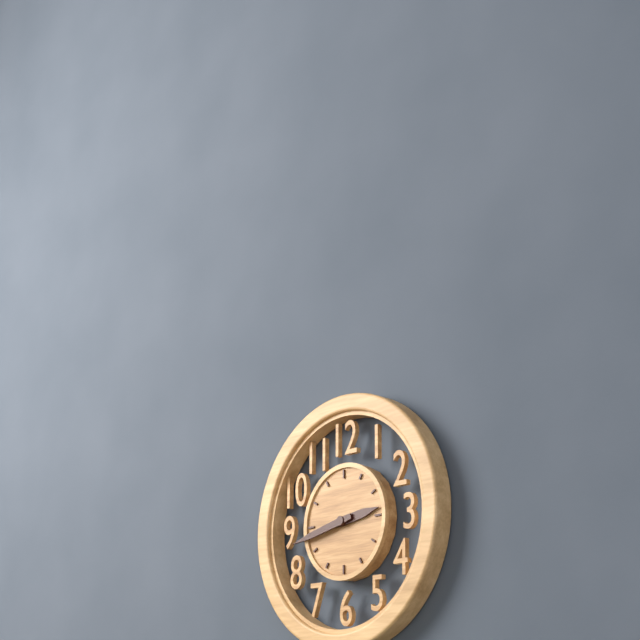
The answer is 2.43
